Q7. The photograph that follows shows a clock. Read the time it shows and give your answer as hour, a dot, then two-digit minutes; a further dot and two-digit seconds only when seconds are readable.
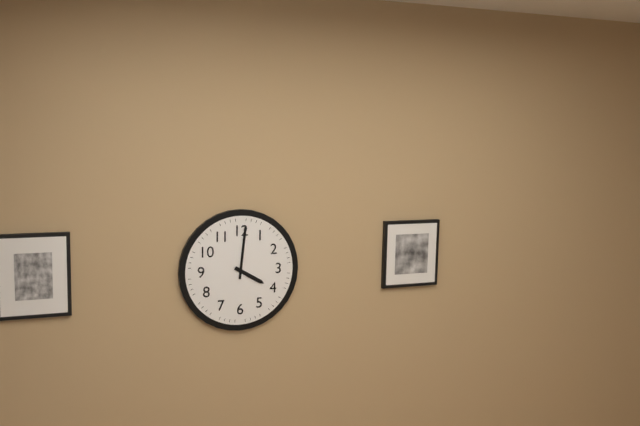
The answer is 4.01
